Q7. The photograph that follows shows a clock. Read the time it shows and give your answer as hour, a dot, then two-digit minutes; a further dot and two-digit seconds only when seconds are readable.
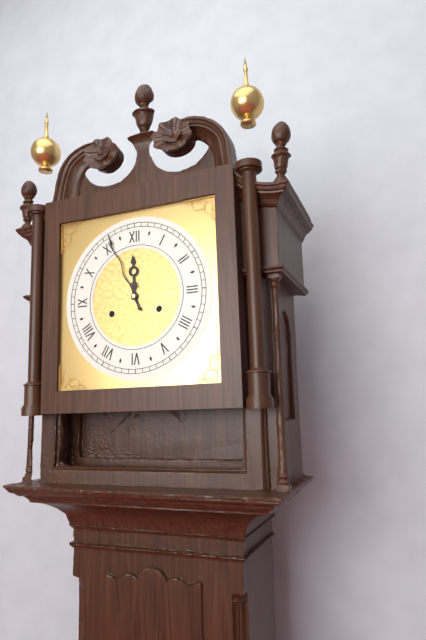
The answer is 11.56
